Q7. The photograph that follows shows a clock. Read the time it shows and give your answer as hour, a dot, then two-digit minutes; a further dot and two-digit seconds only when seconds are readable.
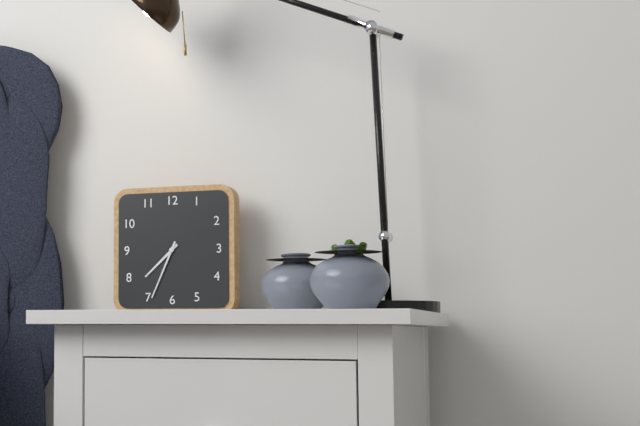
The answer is 7.34
